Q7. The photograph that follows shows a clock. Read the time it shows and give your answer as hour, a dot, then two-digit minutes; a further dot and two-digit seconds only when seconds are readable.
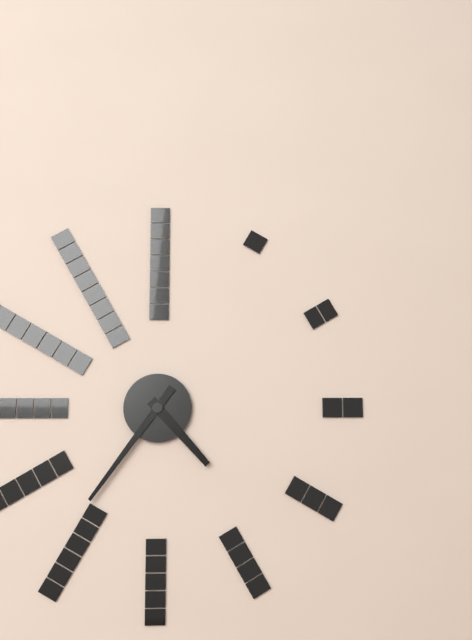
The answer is 4.36
